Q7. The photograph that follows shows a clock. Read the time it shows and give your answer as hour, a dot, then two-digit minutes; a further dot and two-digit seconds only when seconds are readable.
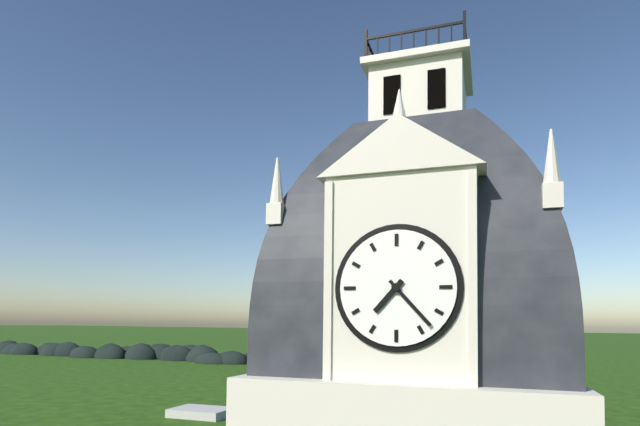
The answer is 7.23
